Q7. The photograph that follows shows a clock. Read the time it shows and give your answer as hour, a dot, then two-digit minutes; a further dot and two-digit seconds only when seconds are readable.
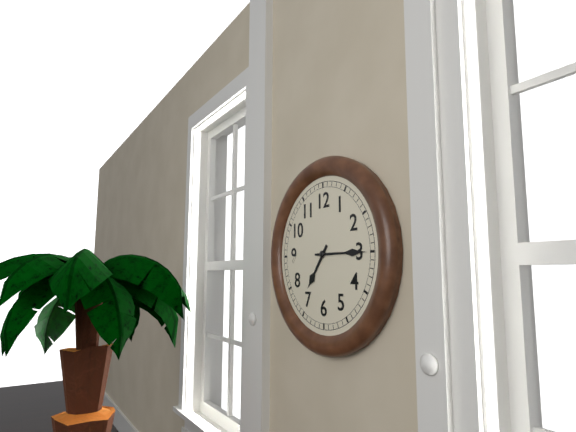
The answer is 7.15
